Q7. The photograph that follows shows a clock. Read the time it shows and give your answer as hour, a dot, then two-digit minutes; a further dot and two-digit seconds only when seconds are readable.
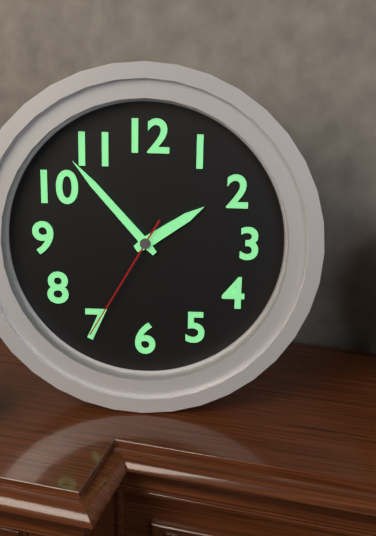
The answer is 1.53.35
